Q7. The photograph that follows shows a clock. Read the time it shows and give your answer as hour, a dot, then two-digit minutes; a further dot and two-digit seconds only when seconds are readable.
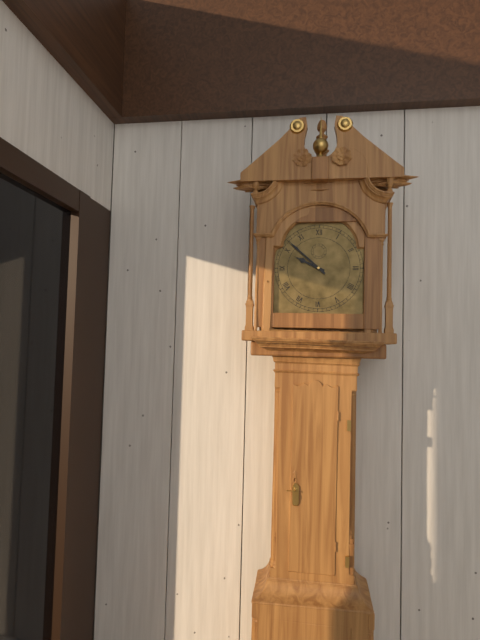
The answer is 9.52
